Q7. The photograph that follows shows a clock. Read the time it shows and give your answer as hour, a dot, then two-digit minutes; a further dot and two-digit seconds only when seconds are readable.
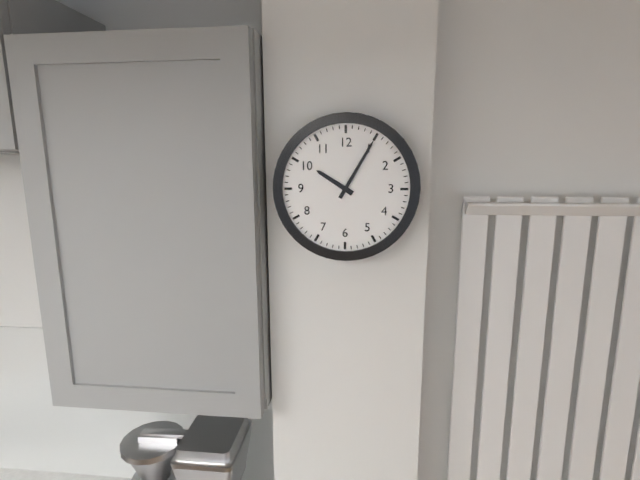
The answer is 10.05
